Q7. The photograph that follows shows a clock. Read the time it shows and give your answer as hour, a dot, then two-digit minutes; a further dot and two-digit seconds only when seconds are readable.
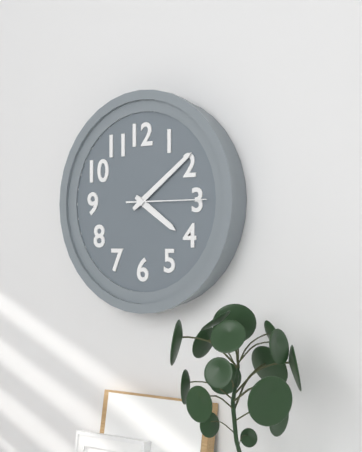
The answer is 4.09.15
